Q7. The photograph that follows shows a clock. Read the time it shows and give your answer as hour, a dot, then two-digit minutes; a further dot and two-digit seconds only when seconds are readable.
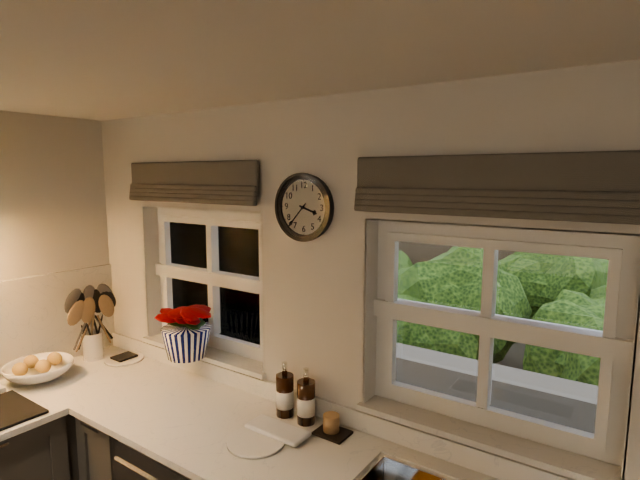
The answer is 3.37
